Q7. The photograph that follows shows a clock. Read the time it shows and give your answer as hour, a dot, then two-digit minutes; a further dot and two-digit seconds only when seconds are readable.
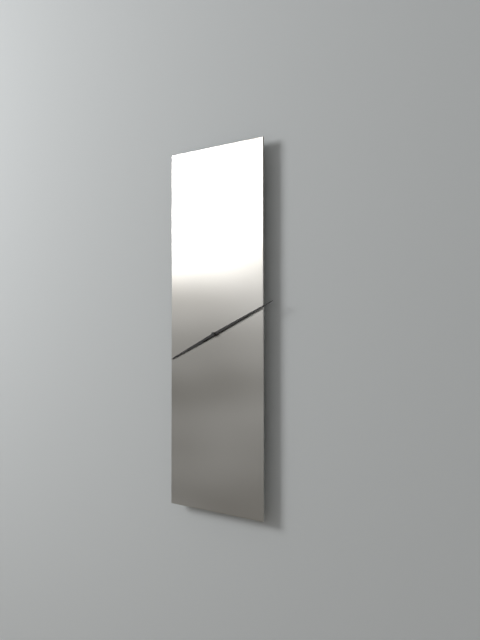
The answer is 8.11
